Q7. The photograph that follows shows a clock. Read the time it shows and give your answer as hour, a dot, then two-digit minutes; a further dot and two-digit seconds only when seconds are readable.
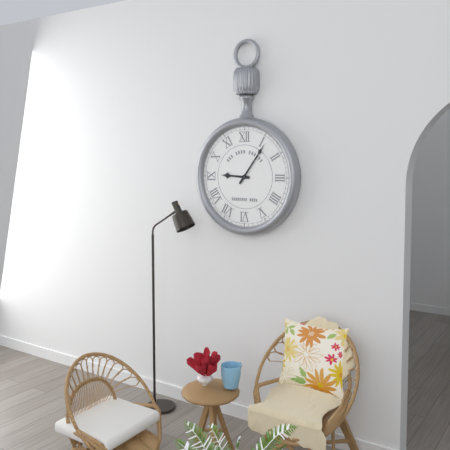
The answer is 9.06
